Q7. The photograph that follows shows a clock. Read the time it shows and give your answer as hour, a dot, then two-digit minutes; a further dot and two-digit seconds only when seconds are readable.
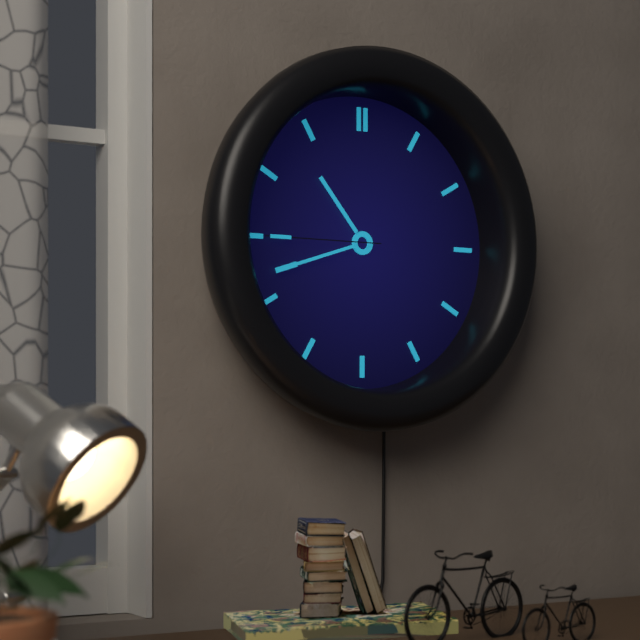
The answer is 10.42.45
